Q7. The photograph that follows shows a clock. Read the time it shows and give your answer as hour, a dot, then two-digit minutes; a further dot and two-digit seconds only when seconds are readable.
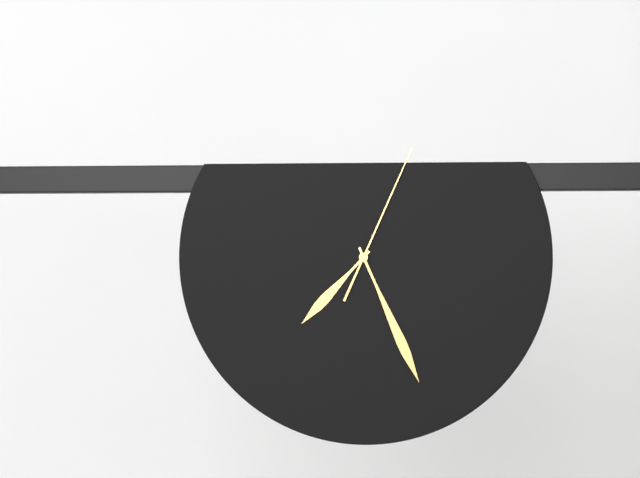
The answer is 7.26.04
